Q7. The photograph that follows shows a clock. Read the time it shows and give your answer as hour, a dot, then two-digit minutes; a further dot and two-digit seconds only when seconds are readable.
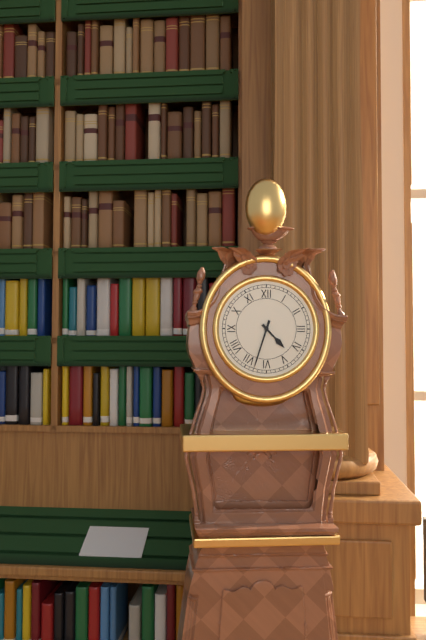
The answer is 4.33
